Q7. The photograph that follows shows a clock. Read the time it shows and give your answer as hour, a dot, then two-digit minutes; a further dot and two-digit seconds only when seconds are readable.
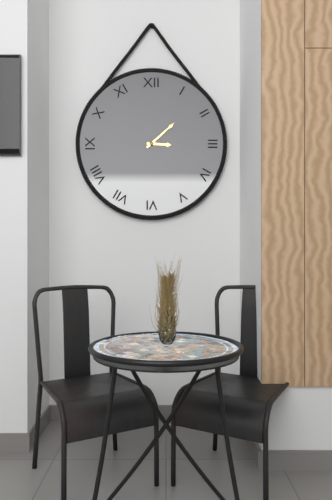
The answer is 3.08
